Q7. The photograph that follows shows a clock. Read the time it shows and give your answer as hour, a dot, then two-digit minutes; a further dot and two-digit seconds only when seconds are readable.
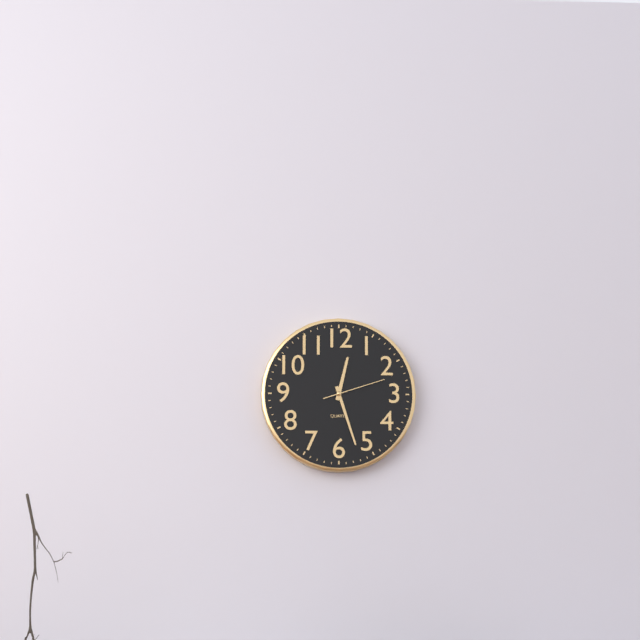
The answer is 12.27.12
